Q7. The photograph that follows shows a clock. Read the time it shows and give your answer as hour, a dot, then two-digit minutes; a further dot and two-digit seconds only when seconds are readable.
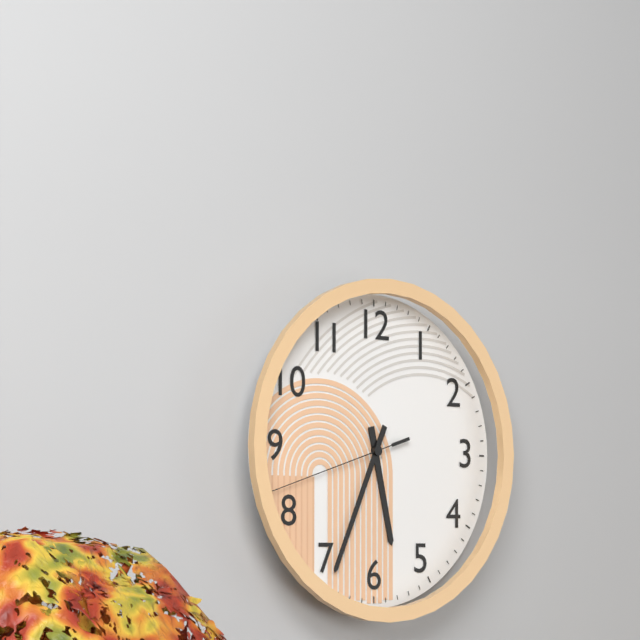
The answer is 5.34.42
